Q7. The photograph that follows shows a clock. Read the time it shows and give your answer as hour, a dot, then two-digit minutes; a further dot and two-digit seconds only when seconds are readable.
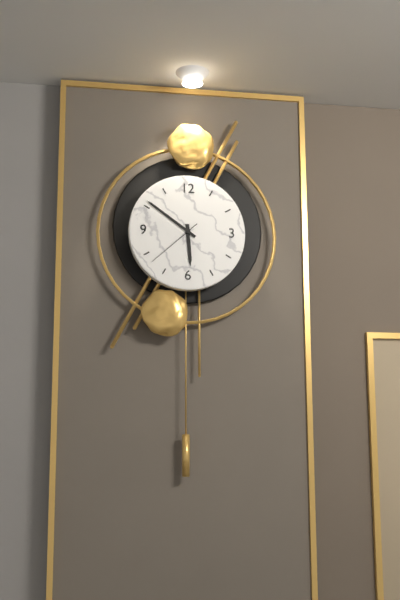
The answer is 5.51.38
